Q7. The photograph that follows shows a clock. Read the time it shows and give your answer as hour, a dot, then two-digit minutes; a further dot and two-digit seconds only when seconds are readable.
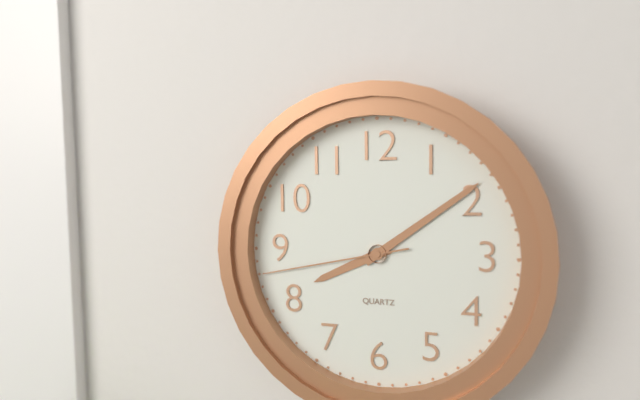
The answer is 8.09.43
